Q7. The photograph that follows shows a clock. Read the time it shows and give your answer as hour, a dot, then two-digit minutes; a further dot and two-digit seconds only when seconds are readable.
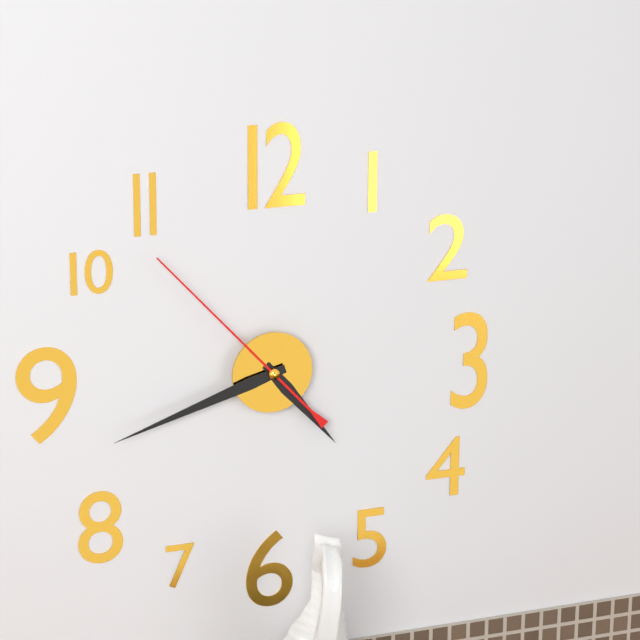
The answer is 4.42.53
